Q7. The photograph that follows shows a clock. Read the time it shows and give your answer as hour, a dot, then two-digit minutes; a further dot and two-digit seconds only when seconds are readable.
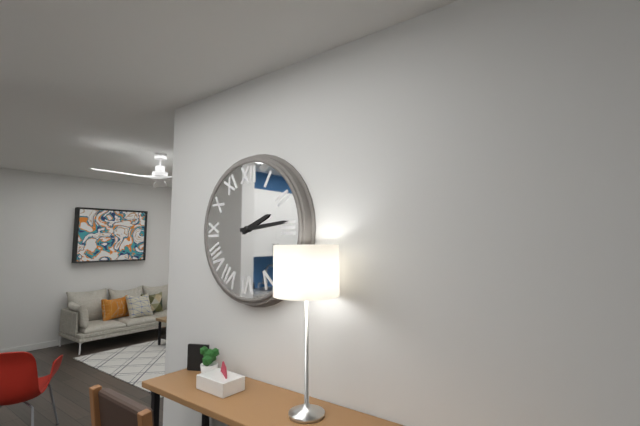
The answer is 2.14
